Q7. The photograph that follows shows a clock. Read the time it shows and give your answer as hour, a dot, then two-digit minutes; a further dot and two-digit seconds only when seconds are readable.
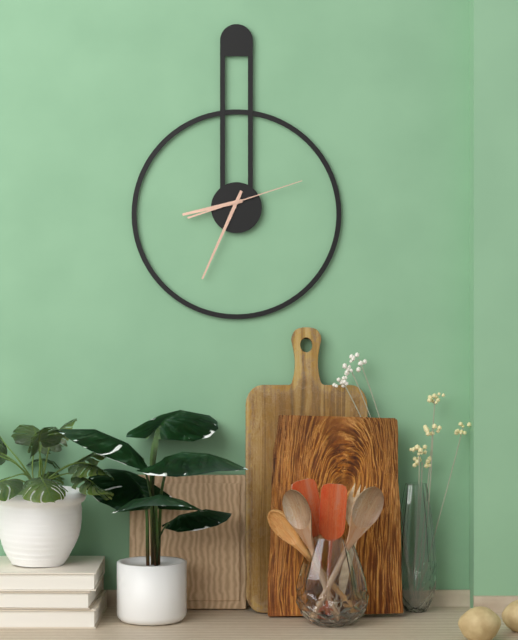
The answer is 8.34.12
